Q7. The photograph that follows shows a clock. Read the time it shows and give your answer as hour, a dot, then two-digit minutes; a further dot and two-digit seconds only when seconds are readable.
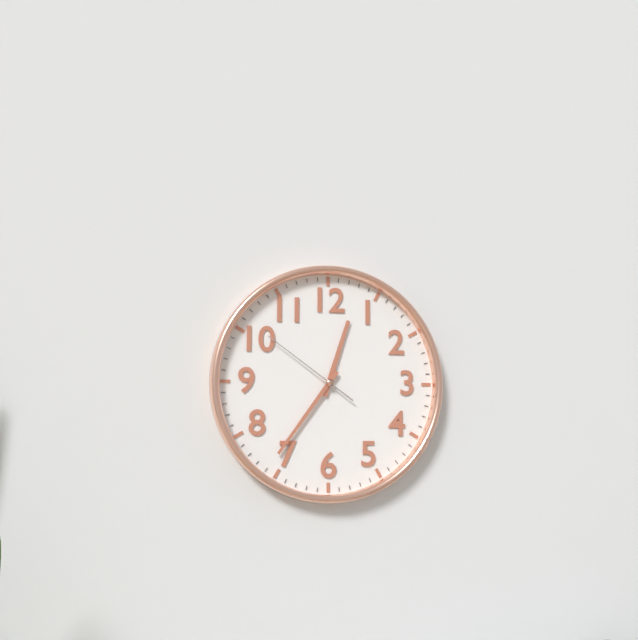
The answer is 12.36.51
